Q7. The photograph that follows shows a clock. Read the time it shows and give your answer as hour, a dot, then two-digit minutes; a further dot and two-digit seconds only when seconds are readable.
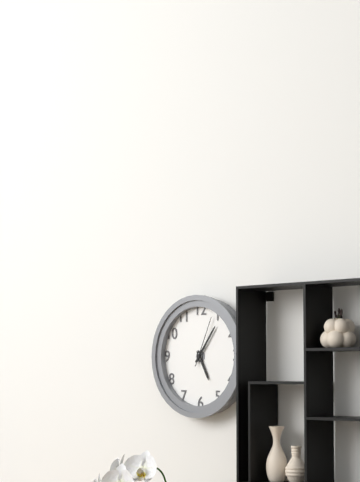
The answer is 5.06.04
